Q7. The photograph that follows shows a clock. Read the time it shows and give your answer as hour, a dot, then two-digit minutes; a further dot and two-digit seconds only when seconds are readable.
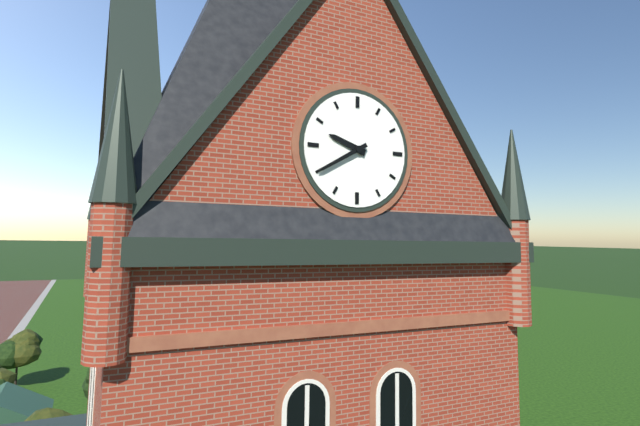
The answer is 9.40
